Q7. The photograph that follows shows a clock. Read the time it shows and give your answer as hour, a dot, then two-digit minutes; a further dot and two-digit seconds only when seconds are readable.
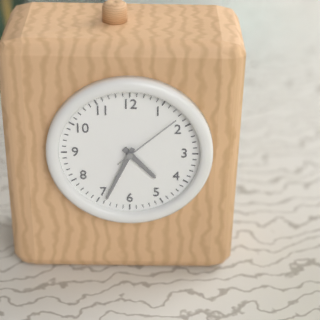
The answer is 4.34.08
